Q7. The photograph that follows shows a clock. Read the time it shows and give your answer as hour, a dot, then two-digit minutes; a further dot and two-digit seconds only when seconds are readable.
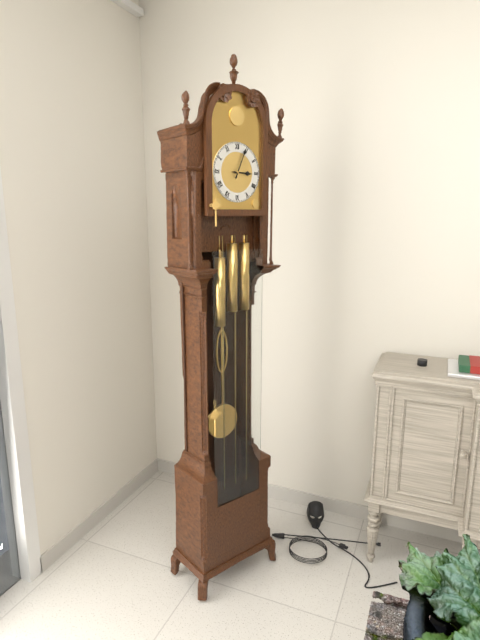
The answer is 3.04
